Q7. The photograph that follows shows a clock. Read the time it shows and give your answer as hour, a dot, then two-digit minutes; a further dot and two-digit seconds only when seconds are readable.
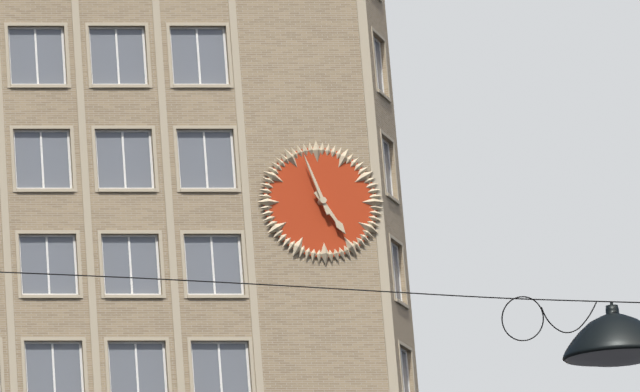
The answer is 4.57
